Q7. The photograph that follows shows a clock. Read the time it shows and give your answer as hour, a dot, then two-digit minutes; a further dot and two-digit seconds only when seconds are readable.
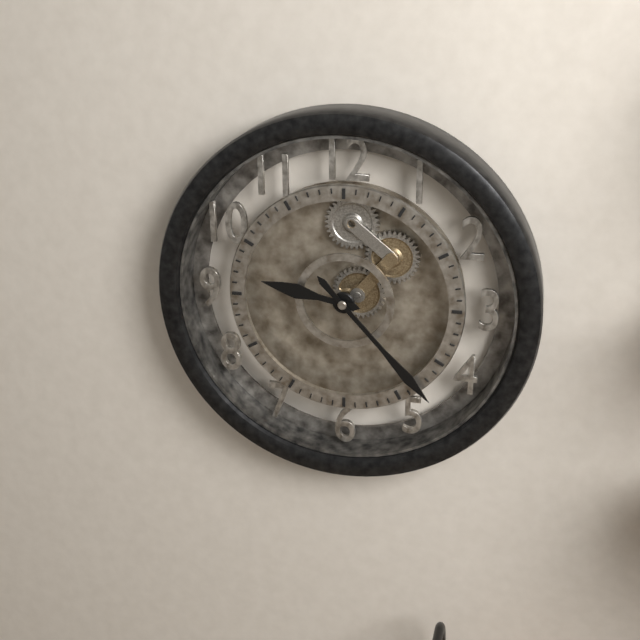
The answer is 9.23
